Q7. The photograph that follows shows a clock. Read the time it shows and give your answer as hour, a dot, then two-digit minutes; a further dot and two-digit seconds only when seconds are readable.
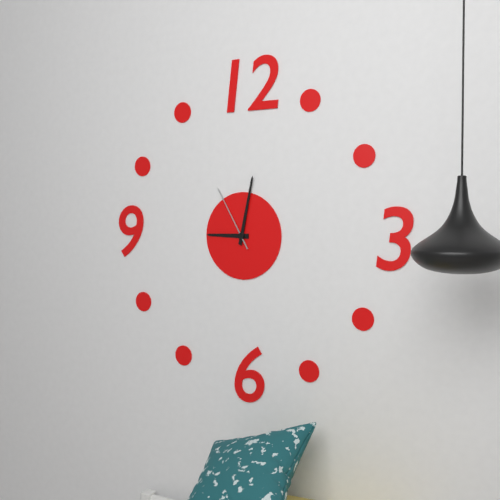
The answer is 9.02.55
